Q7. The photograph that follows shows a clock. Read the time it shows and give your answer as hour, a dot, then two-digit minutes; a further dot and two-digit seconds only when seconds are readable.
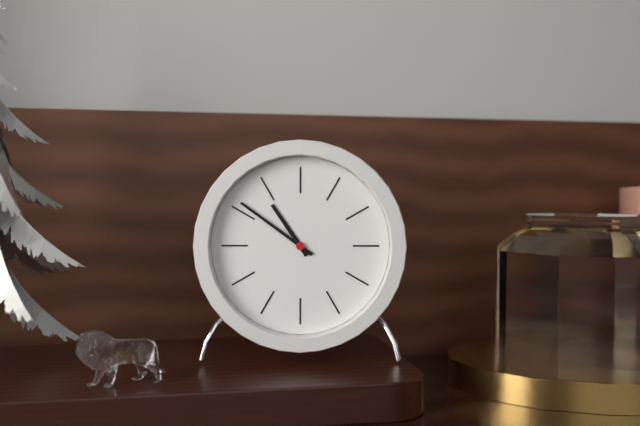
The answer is 10.51
